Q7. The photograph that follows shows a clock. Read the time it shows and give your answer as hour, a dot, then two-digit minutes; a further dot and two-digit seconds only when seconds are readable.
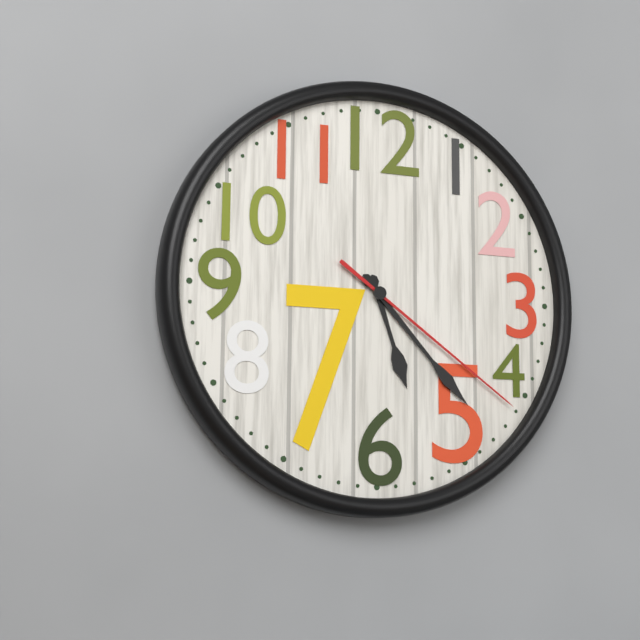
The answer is 5.23.21
